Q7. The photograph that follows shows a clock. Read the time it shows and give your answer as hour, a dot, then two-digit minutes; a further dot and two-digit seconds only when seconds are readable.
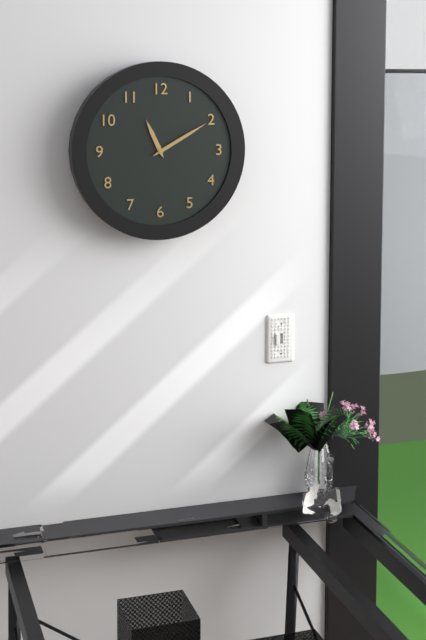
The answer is 11.10
